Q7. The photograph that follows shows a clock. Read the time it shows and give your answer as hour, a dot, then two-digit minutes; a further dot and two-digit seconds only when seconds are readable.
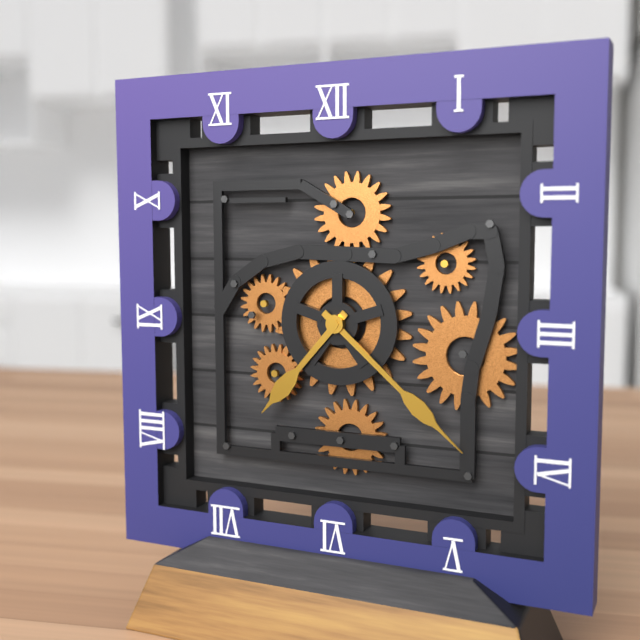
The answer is 7.22
